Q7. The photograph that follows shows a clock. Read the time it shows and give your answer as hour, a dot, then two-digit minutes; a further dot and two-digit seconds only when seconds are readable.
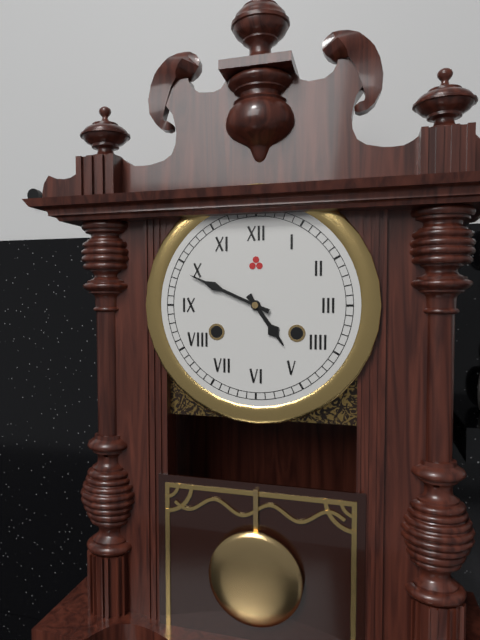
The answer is 4.49
